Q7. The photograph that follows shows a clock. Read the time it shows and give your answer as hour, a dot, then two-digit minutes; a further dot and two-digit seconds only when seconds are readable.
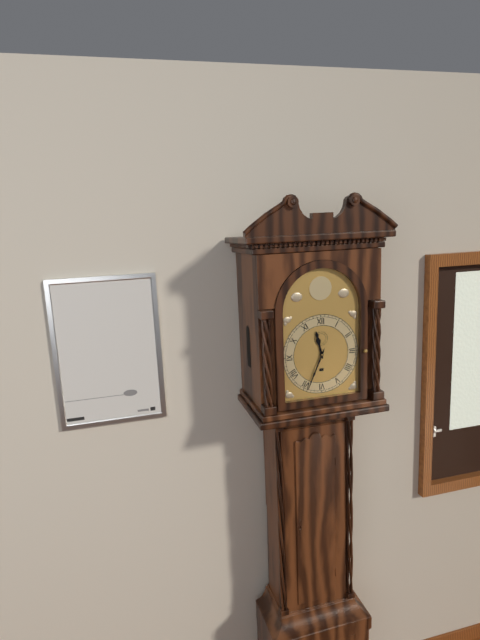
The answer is 11.34
